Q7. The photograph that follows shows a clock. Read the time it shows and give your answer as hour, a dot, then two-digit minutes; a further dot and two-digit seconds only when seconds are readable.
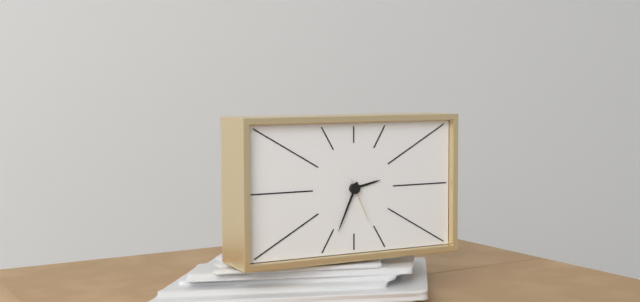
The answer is 2.34
